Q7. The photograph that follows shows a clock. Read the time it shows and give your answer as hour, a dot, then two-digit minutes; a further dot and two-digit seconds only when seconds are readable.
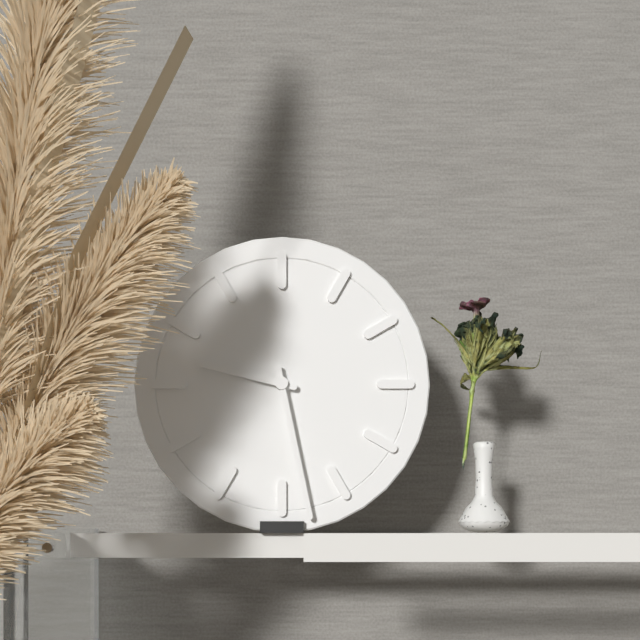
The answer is 9.28
